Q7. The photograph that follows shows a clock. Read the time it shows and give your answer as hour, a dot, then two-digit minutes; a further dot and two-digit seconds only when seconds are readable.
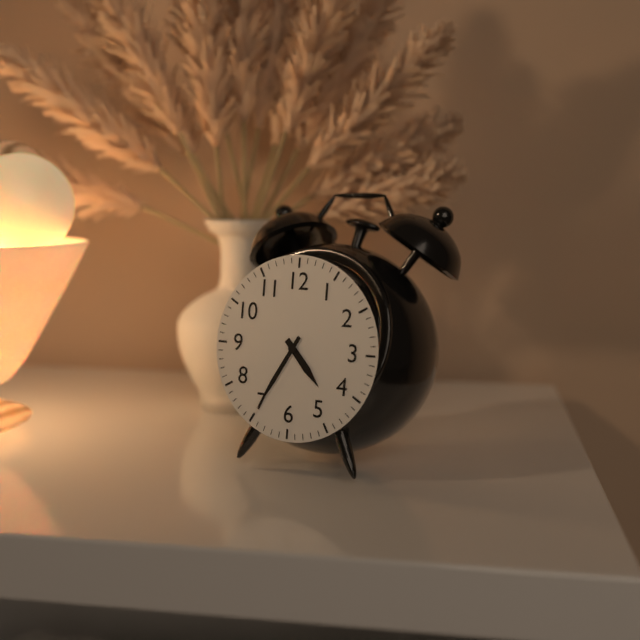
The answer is 4.35
